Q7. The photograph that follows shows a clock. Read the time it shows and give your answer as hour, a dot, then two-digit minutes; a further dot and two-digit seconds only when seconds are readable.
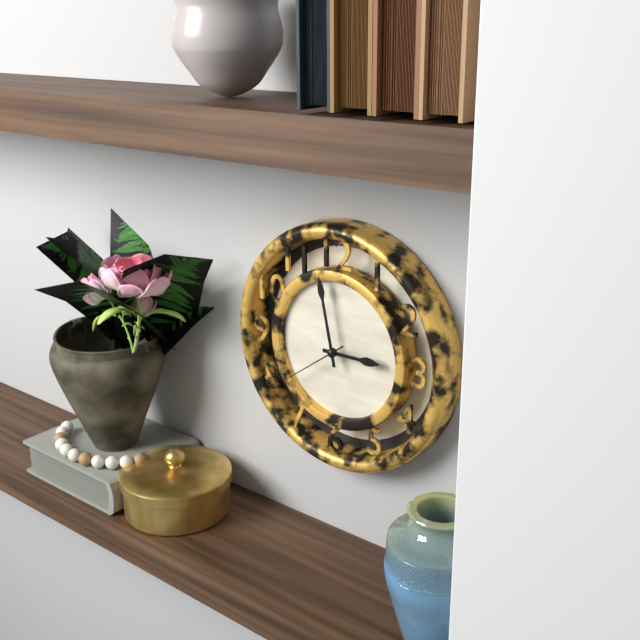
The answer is 2.58.39
